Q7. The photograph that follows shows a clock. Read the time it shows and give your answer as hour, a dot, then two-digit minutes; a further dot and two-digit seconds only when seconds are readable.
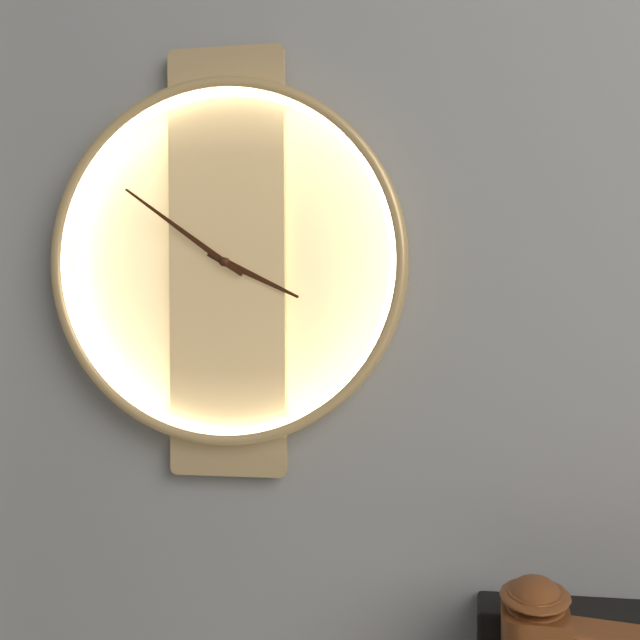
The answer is 3.51
